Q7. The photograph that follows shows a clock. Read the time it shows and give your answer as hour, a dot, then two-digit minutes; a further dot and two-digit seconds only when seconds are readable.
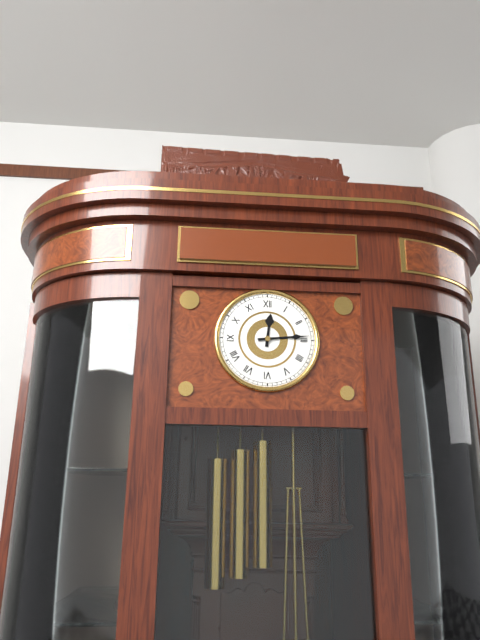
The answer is 12.14
